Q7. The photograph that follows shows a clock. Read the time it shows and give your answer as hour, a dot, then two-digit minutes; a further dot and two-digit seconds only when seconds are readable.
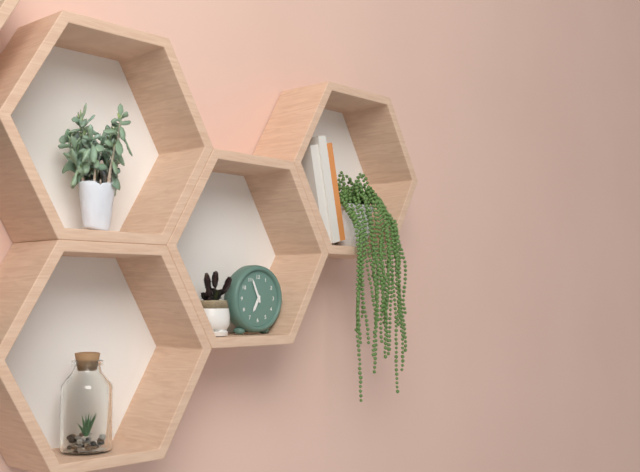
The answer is 6.56
